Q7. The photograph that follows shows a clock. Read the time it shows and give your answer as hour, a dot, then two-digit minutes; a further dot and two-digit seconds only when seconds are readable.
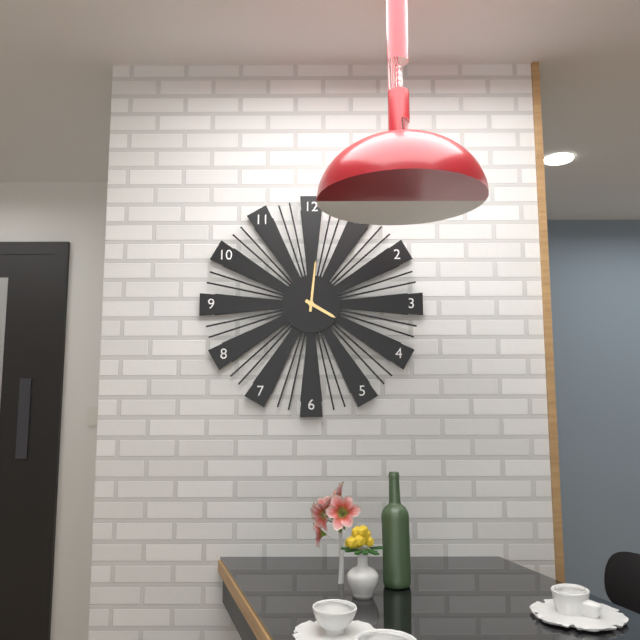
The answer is 4.01
